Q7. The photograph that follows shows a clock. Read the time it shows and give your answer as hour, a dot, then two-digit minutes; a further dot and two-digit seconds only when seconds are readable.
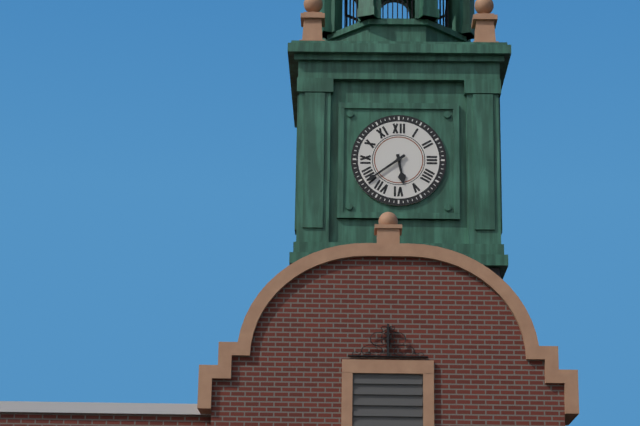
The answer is 5.39
